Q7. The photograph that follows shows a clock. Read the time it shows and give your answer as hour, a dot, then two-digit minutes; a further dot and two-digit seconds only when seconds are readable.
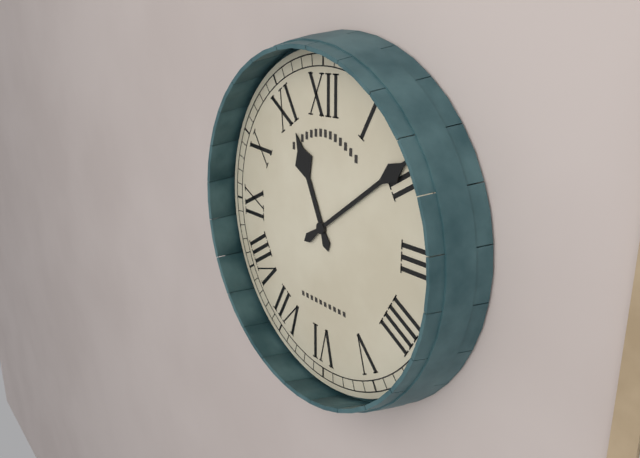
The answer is 11.09
